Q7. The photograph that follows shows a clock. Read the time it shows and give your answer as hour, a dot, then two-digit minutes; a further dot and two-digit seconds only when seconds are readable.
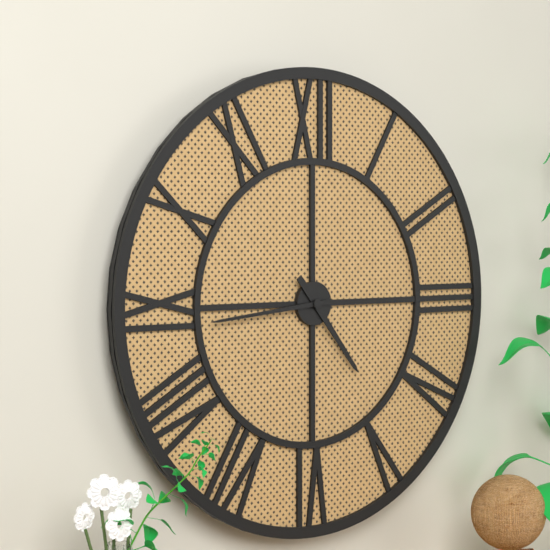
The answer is 4.44
